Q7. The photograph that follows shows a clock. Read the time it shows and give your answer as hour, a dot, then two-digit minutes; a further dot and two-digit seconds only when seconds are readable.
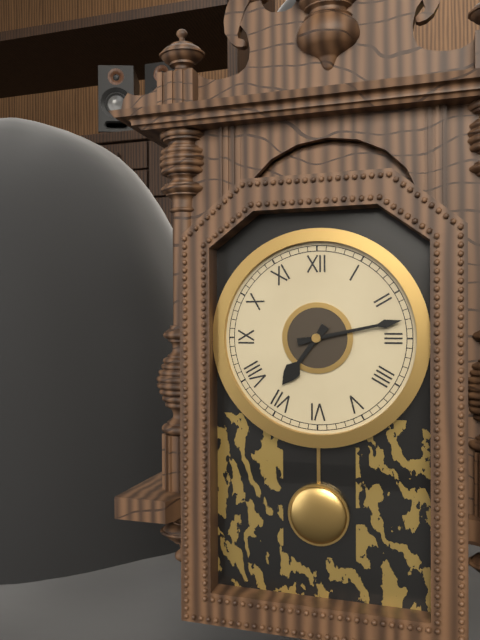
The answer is 7.13
